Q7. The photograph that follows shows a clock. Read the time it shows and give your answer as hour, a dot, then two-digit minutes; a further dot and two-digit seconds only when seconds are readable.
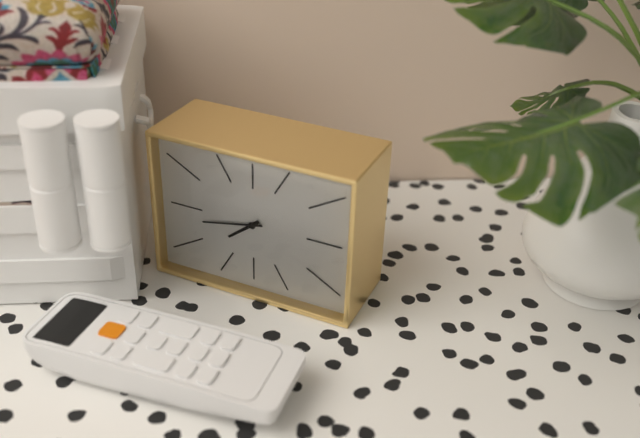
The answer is 7.43
